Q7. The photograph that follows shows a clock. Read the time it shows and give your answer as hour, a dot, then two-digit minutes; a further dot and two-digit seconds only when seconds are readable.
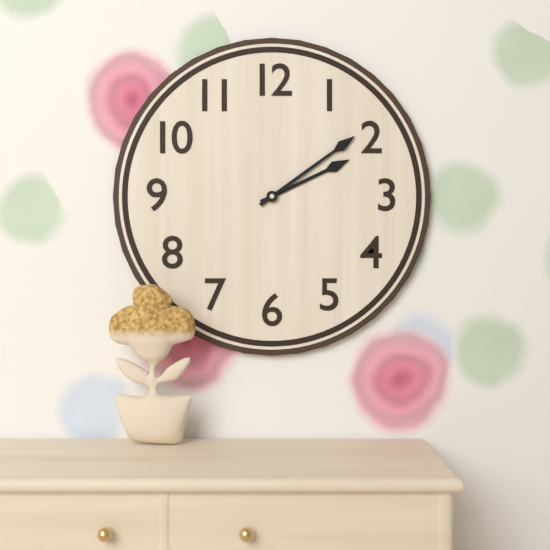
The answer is 2.09
